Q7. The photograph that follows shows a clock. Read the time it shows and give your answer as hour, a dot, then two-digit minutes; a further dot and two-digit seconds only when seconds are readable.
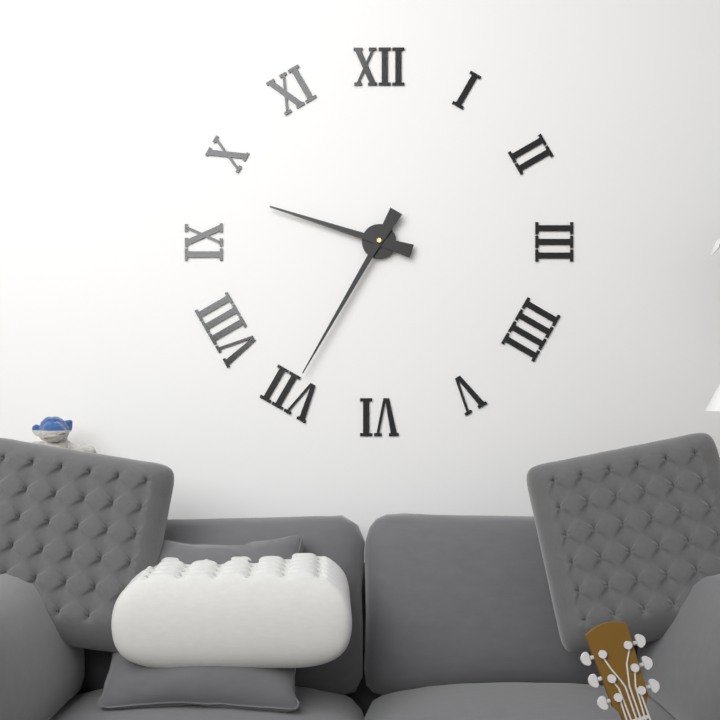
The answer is 9.35
